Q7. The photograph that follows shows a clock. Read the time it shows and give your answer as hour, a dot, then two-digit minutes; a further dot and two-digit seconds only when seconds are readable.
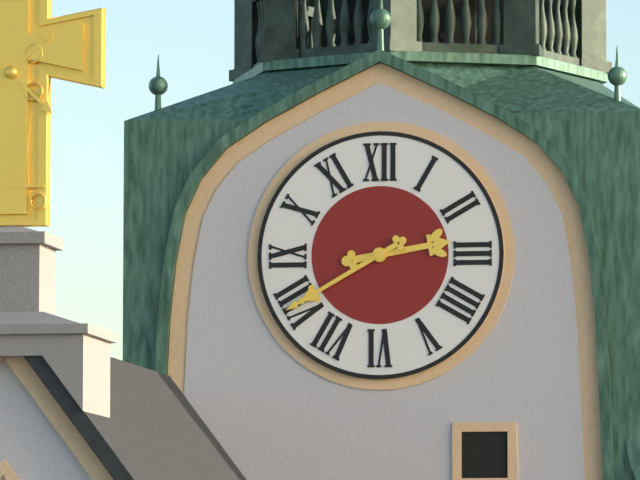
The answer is 2.40
